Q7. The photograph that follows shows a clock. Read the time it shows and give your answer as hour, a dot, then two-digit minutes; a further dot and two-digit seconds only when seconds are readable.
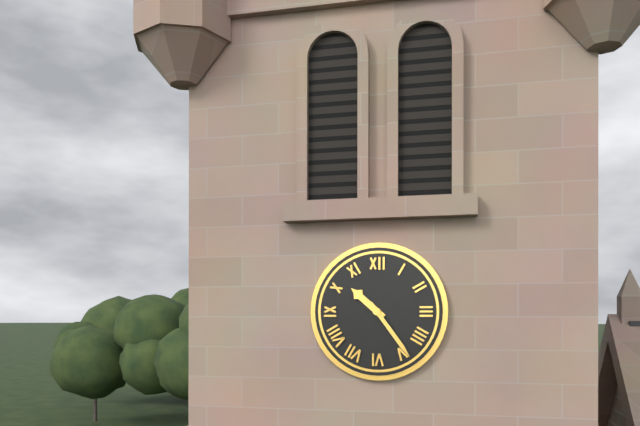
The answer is 10.24
